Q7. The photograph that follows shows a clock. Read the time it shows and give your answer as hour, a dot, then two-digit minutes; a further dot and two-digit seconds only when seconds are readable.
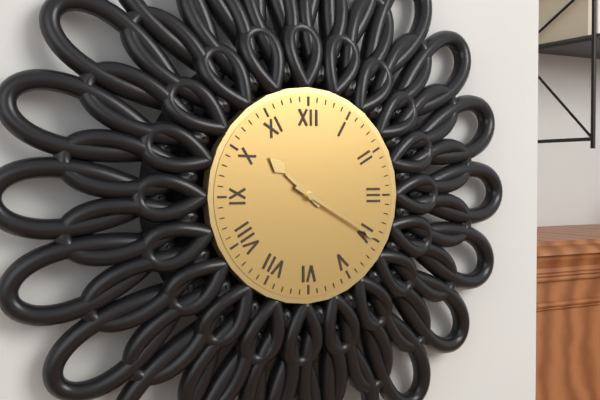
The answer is 10.20
